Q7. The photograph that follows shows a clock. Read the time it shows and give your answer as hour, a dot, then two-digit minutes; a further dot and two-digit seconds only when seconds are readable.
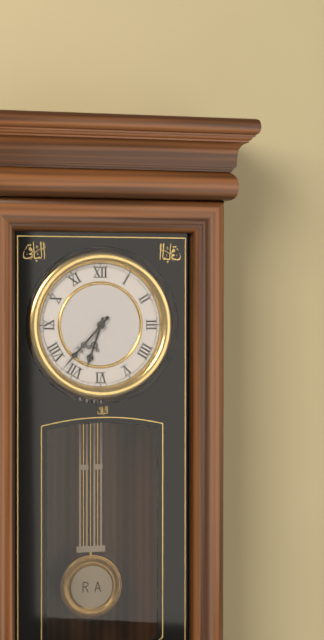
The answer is 6.37
